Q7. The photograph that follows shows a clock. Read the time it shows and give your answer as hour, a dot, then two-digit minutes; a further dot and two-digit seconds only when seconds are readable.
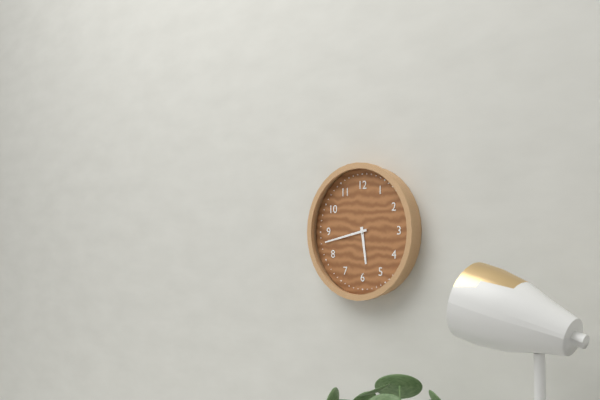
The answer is 5.43
